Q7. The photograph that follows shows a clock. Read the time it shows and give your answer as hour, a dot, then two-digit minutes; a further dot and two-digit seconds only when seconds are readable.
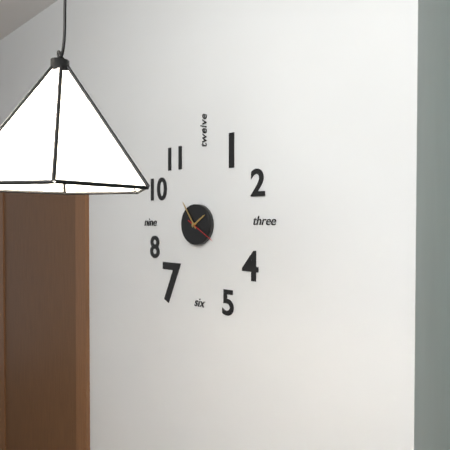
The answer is 1.54
